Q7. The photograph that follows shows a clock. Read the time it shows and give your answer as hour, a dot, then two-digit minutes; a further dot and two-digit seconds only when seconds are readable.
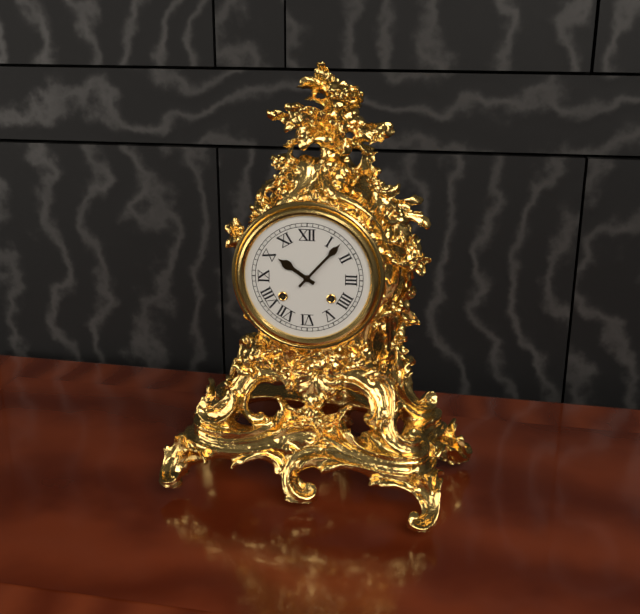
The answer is 10.07
